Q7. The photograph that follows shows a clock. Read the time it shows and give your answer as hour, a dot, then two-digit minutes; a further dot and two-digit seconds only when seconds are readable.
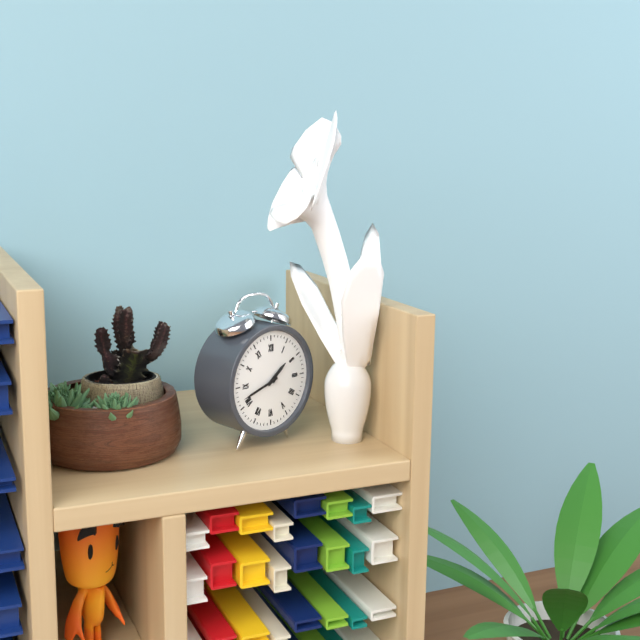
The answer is 1.42
